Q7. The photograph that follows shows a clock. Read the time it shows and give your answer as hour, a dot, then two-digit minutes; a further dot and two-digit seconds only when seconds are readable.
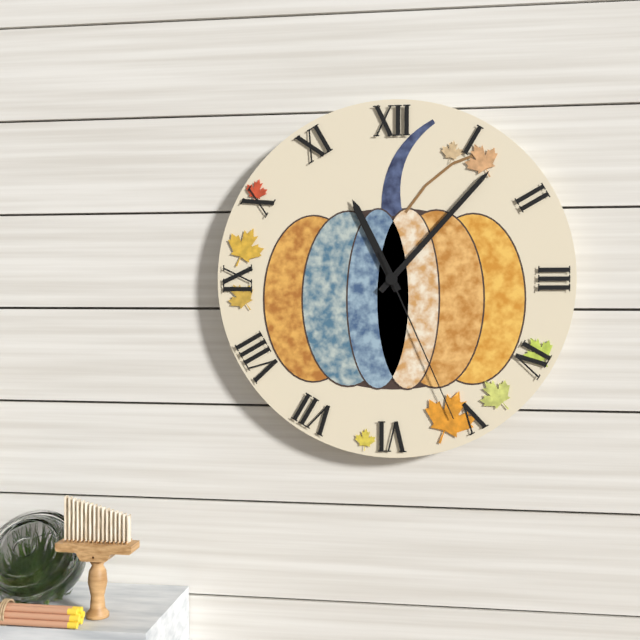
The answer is 11.07.26
